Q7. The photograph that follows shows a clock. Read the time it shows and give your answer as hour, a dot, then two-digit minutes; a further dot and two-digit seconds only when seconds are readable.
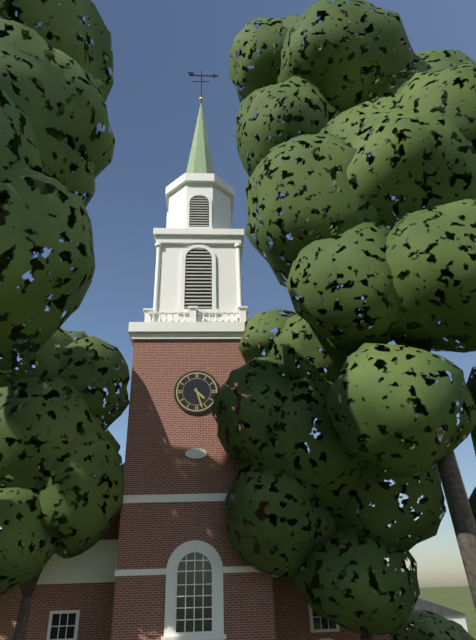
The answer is 4.27
